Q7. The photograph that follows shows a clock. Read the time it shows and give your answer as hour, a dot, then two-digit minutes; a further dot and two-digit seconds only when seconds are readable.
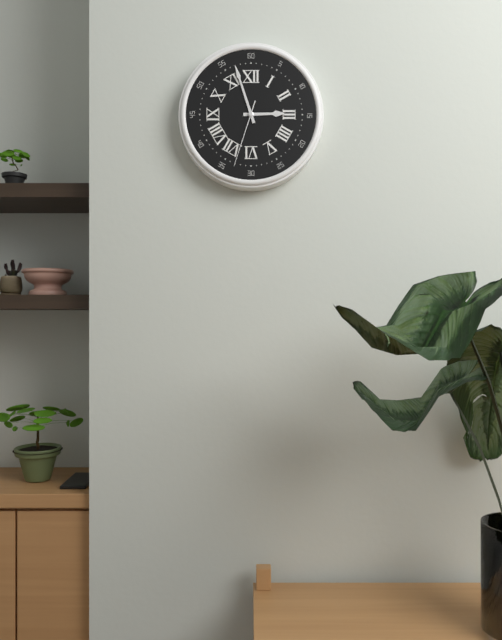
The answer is 2.57.33
